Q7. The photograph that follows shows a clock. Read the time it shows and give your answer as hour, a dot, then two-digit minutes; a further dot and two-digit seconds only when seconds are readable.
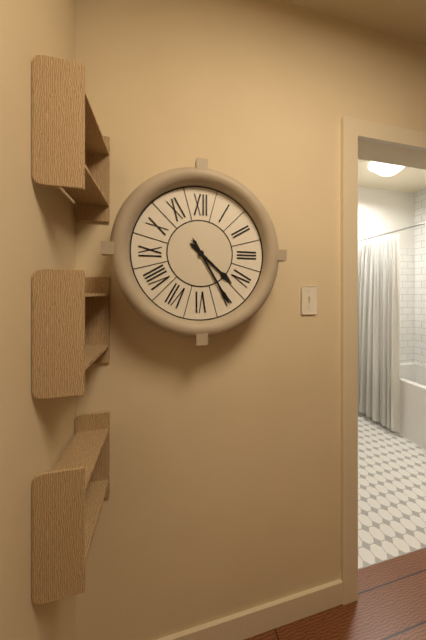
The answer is 4.25
